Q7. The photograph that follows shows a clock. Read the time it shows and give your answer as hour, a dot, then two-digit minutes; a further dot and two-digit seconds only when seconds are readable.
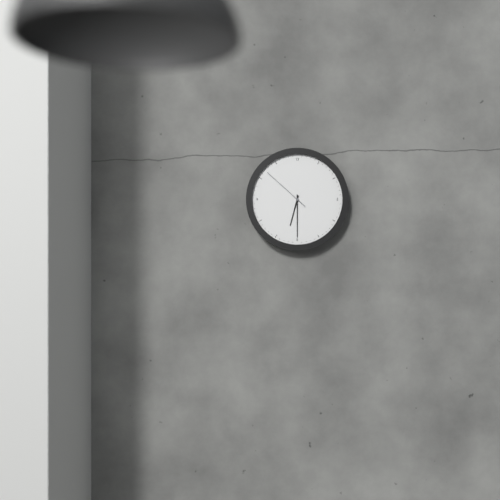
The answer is 6.30.52
